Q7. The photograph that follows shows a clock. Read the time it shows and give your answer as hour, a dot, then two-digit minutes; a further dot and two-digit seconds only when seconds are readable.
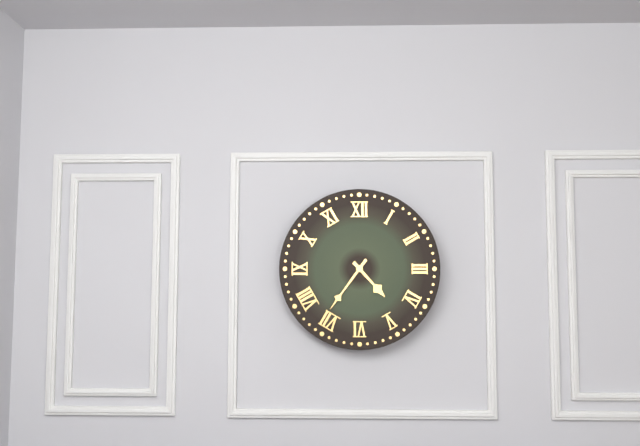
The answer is 4.36
